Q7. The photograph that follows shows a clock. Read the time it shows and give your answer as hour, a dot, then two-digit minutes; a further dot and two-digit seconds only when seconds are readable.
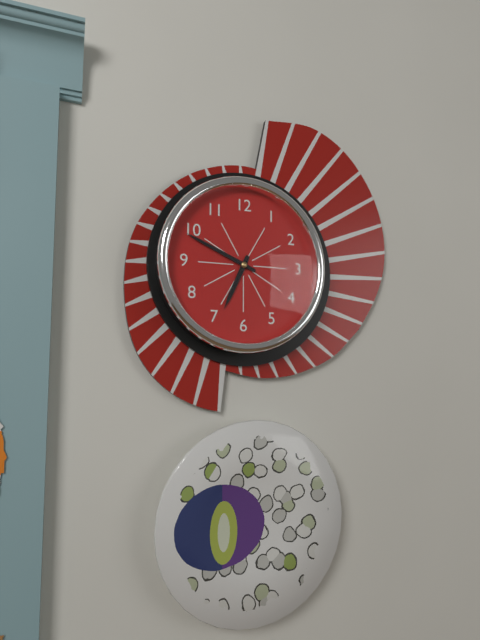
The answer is 6.49
